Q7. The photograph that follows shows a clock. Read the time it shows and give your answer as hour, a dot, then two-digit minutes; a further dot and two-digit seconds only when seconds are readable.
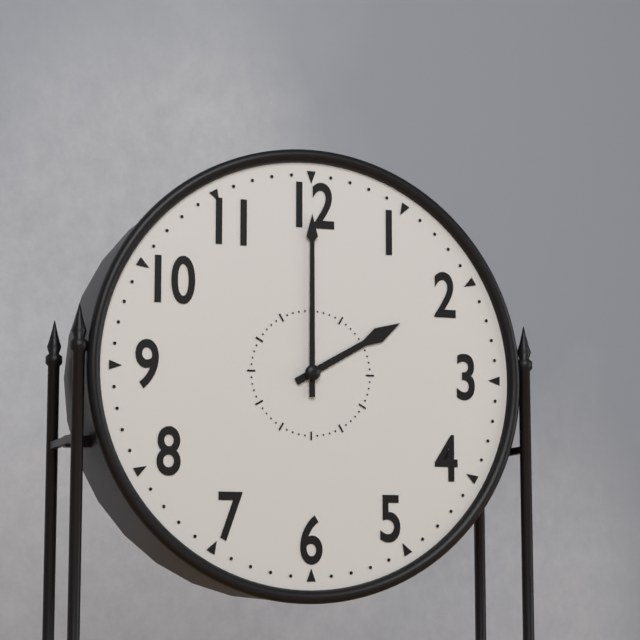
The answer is 2.00
